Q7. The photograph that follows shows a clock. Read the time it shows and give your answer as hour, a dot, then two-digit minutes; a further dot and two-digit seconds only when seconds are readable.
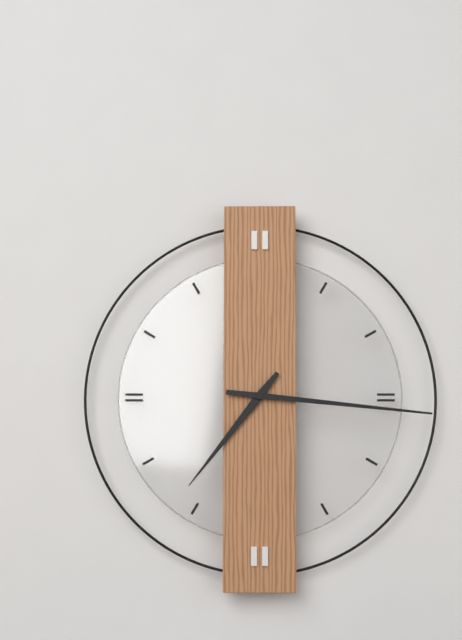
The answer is 7.16
